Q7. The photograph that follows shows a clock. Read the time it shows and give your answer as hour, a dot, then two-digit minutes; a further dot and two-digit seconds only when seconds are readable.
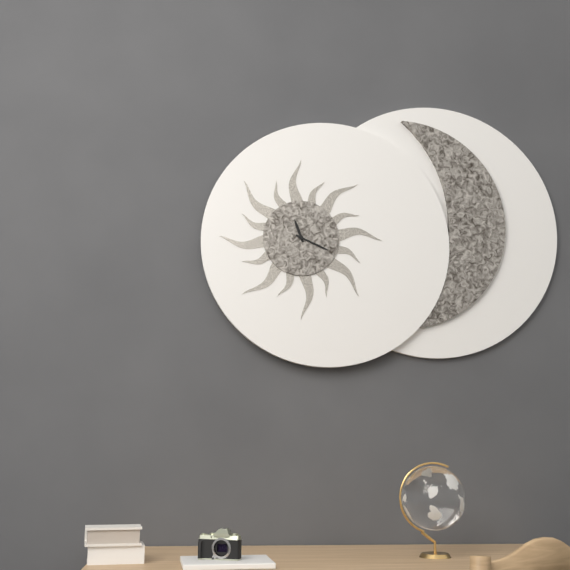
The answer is 11.19
